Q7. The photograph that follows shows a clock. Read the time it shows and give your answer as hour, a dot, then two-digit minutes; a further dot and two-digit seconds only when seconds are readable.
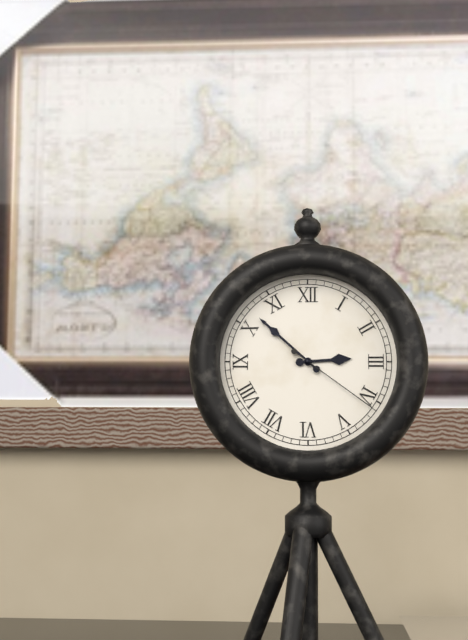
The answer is 2.52.21
